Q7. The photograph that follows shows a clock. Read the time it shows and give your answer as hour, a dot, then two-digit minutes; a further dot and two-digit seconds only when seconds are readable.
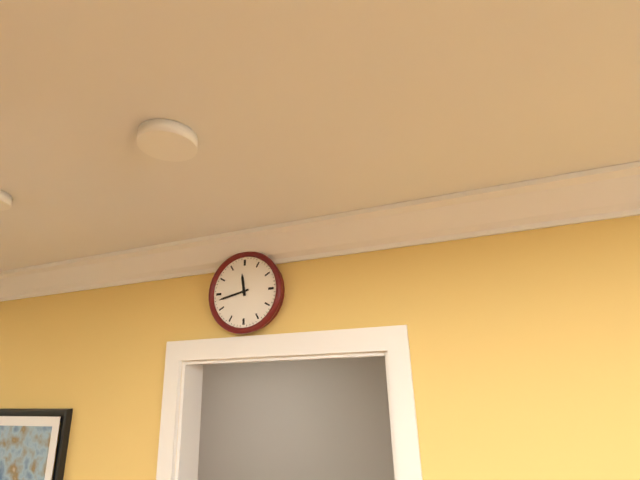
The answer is 11.43
